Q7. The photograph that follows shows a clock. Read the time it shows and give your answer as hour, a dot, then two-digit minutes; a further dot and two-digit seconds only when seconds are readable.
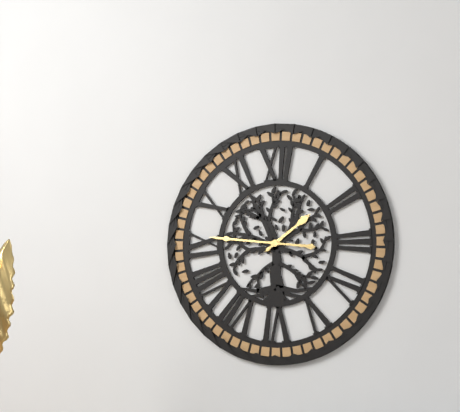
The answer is 1.46
